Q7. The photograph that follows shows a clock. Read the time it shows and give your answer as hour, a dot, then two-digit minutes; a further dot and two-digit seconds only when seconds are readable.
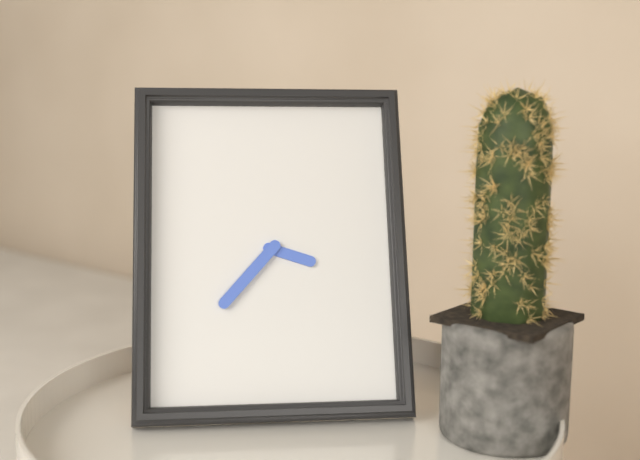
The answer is 3.37
